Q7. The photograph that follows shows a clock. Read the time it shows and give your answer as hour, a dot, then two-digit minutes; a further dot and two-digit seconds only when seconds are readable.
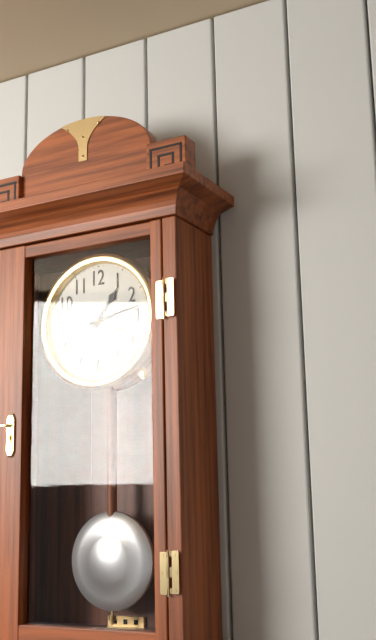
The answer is 1.13
